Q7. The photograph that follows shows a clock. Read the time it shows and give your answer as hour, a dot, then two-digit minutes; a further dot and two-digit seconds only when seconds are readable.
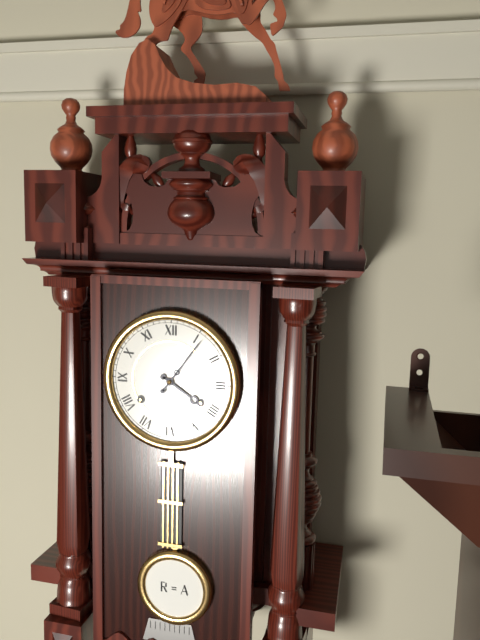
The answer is 4.06
